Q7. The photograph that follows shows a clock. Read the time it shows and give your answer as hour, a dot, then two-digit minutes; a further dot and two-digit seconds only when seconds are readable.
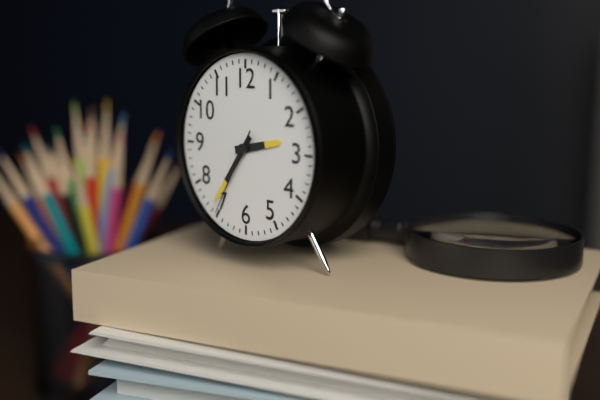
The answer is 2.36.35
